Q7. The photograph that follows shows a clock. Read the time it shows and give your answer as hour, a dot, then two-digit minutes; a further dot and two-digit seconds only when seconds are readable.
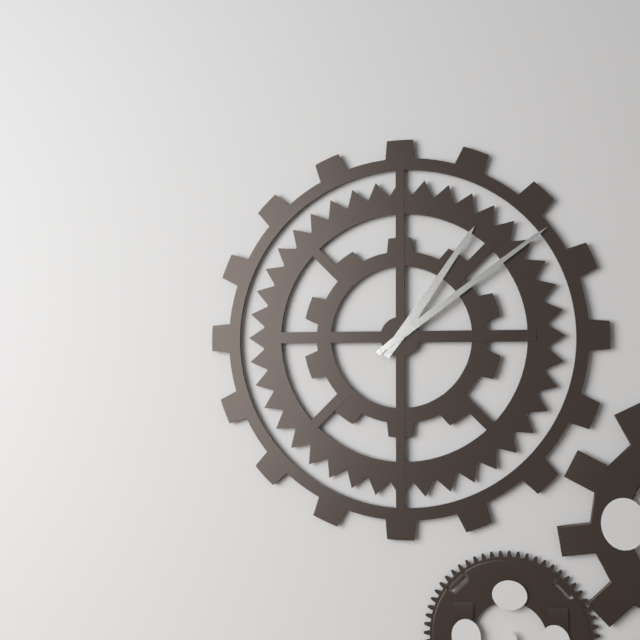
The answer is 1.09
